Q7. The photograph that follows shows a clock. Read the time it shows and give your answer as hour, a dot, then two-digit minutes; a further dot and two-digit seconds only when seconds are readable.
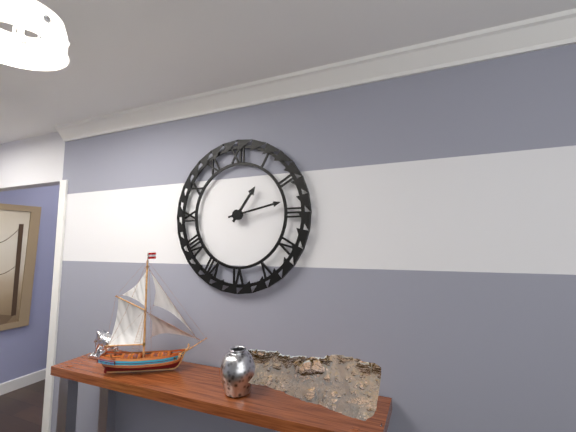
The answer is 1.13
